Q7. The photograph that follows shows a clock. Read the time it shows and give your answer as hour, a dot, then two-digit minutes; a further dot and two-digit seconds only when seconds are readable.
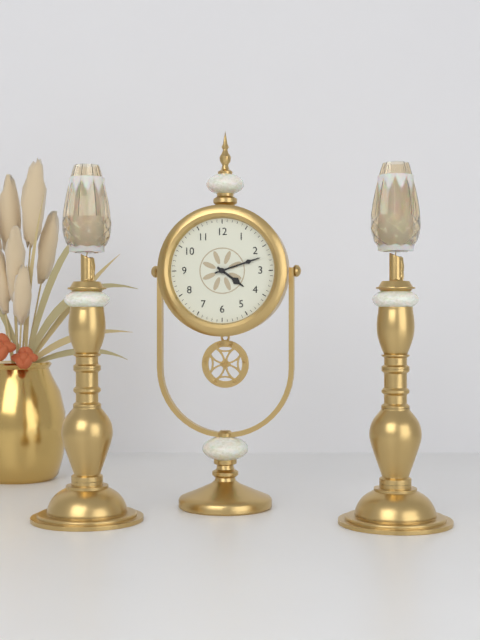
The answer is 4.12
